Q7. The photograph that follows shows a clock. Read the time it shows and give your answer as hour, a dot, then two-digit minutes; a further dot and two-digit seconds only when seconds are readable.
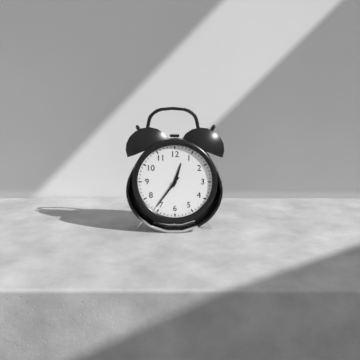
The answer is 12.36
